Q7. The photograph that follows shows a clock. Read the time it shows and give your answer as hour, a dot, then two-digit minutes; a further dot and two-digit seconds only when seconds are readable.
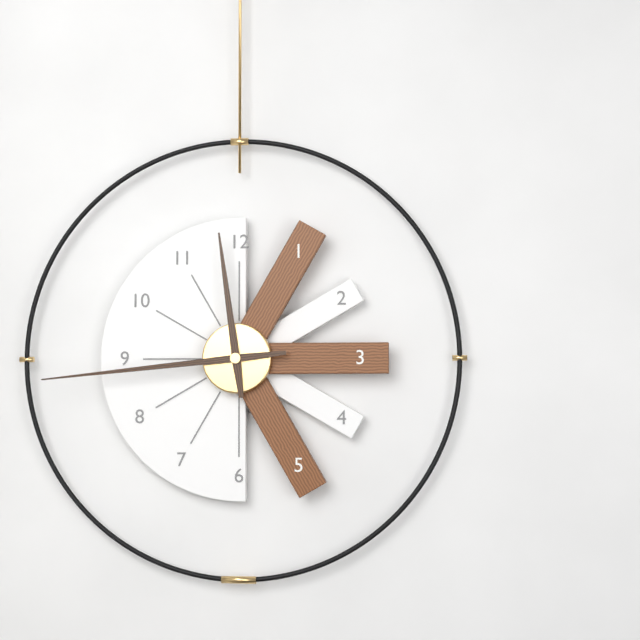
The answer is 11.44
